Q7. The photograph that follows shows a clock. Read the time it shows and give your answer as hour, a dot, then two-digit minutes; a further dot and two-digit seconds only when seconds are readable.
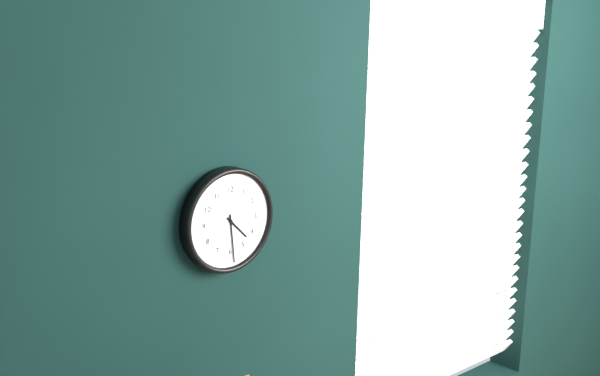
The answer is 4.29
